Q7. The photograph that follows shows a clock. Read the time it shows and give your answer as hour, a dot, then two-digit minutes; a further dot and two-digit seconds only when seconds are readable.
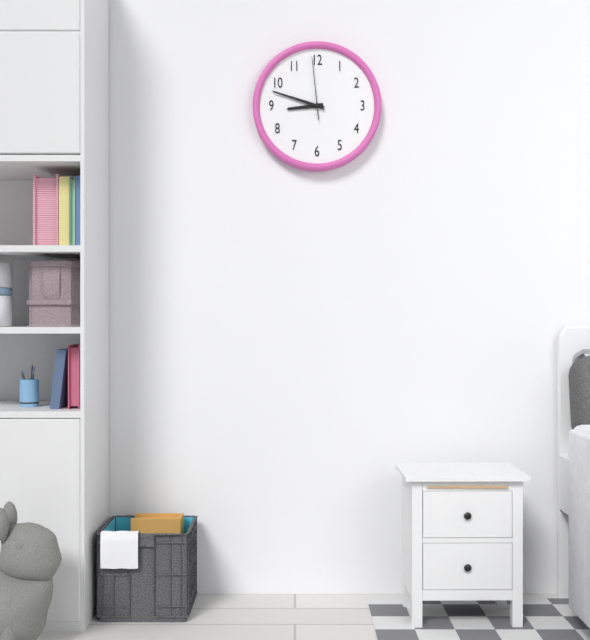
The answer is 8.48.59
